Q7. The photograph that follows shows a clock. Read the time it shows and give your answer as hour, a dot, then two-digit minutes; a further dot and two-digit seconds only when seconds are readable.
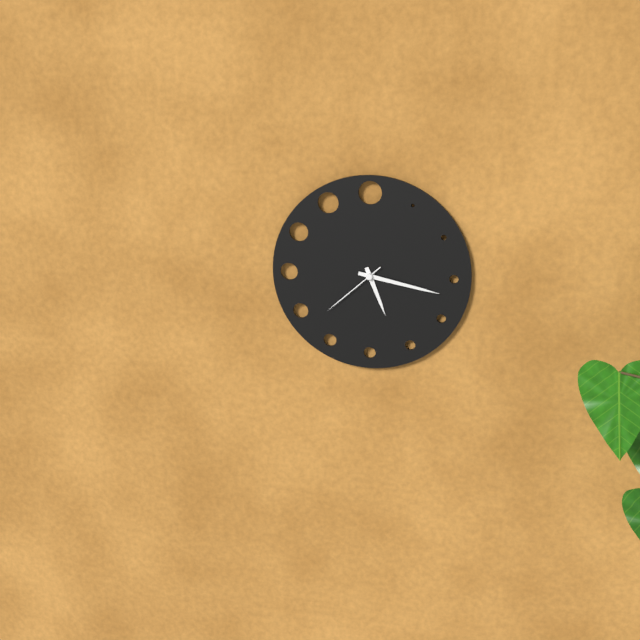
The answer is 5.17.38
